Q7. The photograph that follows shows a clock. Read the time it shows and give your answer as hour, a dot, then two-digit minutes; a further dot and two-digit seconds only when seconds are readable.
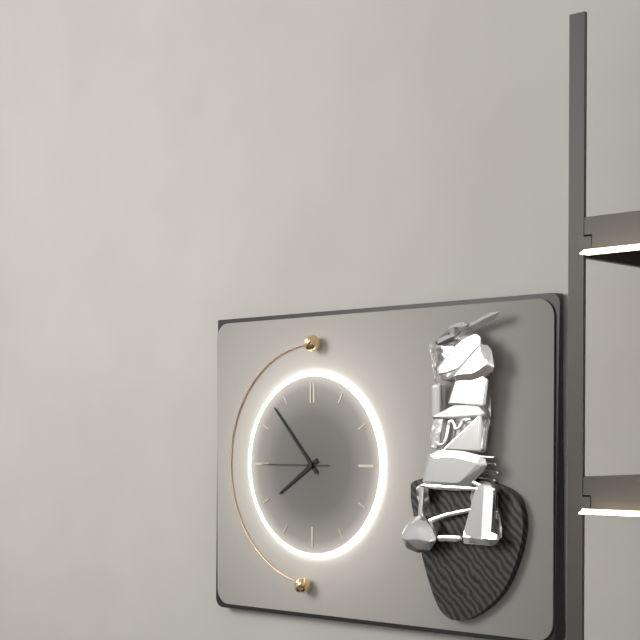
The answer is 7.53.45
